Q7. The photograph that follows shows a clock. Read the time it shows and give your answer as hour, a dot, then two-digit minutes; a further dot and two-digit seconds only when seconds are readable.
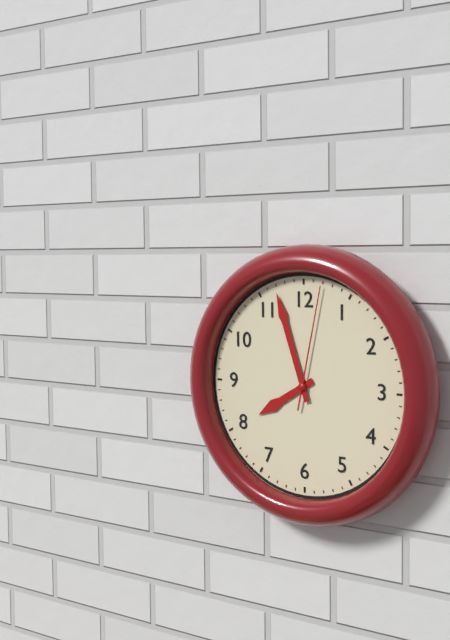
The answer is 7.57.02
